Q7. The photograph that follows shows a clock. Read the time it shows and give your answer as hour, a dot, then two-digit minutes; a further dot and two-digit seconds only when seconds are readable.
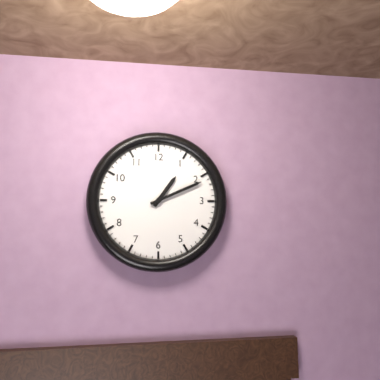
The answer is 1.11
